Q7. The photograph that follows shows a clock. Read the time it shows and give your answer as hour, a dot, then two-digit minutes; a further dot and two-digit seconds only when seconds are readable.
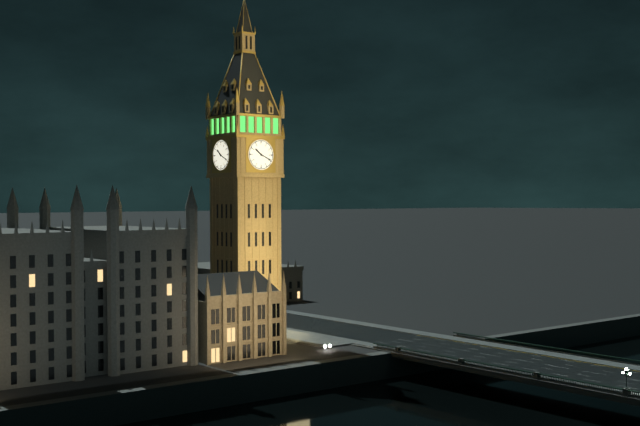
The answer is 10.19
